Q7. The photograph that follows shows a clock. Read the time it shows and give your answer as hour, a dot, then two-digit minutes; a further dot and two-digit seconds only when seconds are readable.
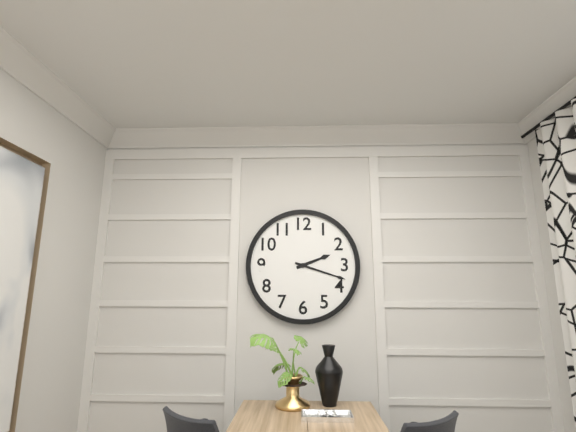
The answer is 2.18
